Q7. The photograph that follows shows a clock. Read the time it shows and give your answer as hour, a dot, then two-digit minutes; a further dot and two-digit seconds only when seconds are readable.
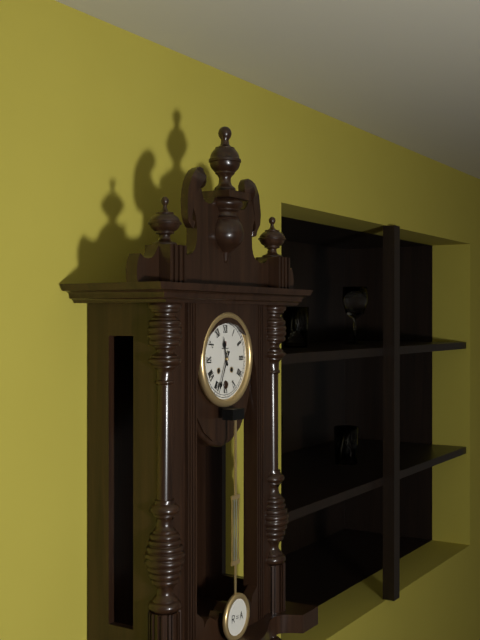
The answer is 11.34
